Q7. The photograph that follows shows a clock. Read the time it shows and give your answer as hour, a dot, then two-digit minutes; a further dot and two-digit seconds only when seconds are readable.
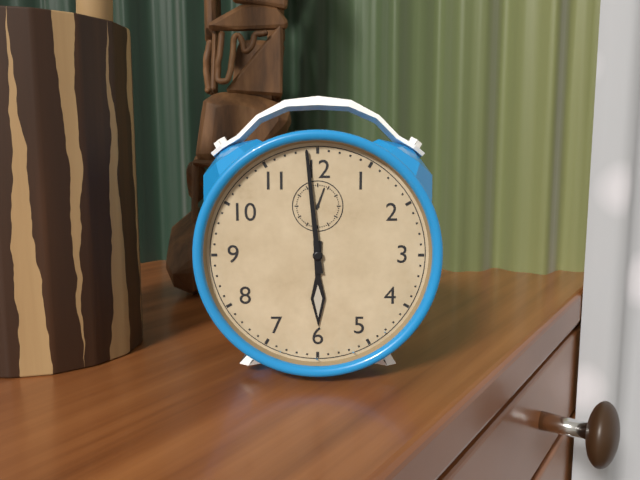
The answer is 5.59
